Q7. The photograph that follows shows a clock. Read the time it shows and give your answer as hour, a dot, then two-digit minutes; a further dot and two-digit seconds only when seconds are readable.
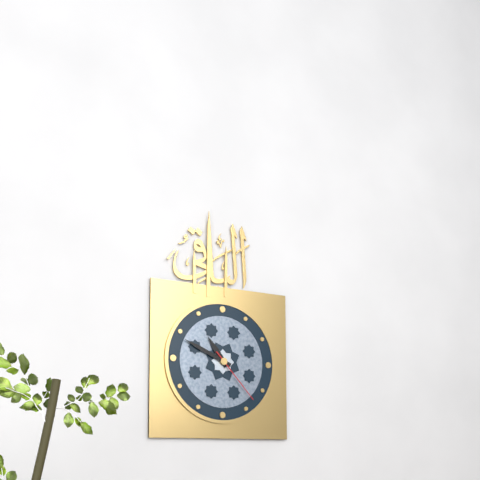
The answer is 10.49.23
